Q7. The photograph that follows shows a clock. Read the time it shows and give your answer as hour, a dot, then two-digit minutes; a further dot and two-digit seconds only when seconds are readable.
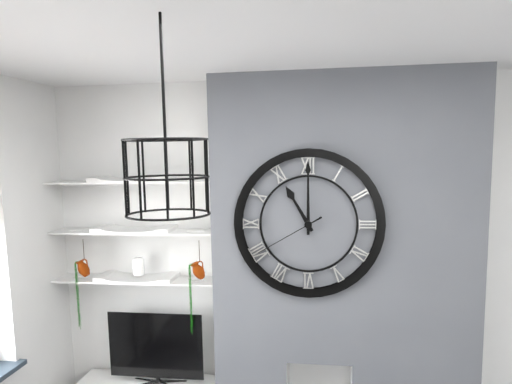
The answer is 11.00.40
